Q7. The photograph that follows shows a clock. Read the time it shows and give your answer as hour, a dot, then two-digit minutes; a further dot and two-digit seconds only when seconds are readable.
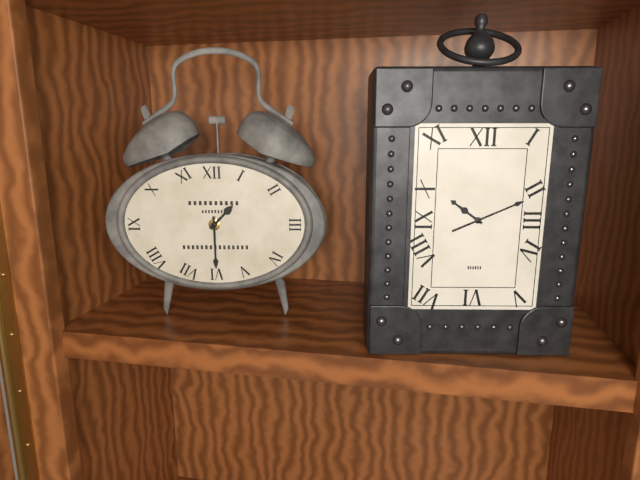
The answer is 1.30
